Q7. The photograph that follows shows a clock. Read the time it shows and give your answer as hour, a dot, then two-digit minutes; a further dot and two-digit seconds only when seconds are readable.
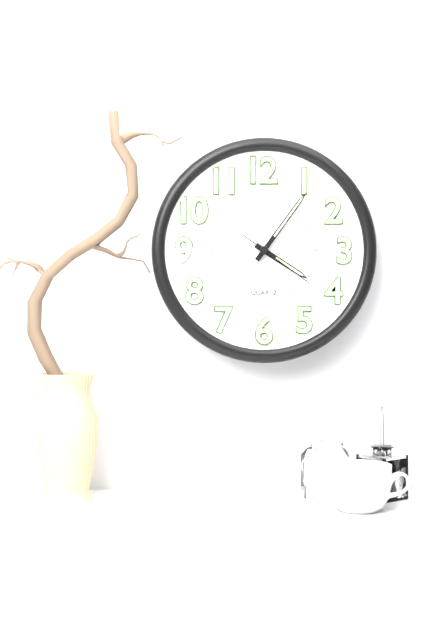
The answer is 4.06.21
